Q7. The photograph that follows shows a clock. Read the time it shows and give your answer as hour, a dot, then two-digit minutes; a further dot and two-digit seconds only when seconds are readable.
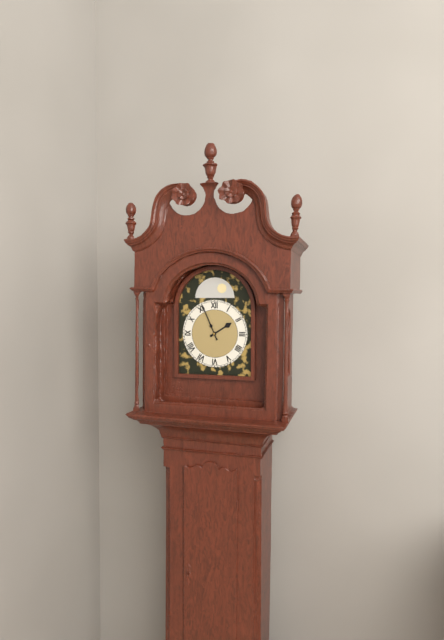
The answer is 1.56
